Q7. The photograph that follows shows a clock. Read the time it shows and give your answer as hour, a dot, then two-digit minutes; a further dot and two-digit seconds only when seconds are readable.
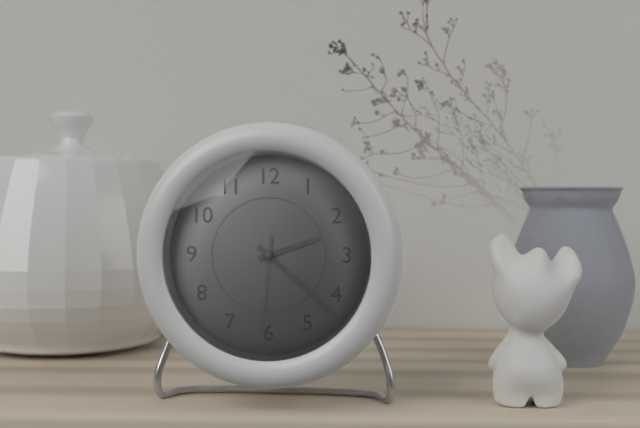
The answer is 2.22.31
